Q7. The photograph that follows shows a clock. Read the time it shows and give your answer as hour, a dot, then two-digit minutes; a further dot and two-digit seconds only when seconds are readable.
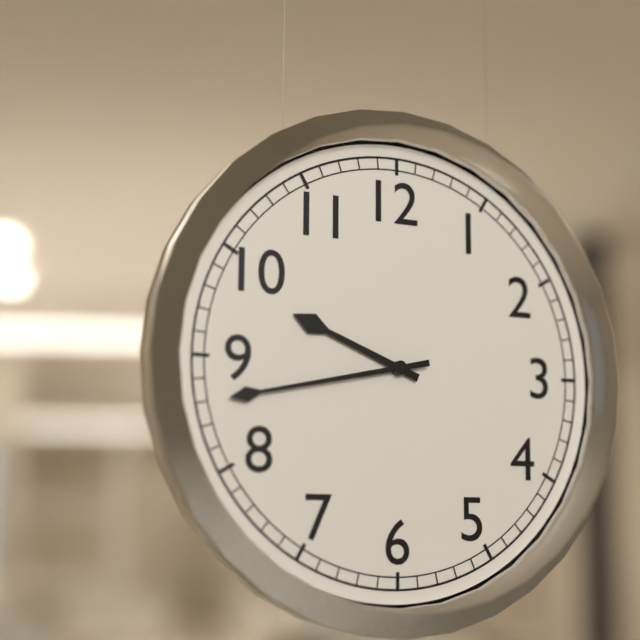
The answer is 9.43
